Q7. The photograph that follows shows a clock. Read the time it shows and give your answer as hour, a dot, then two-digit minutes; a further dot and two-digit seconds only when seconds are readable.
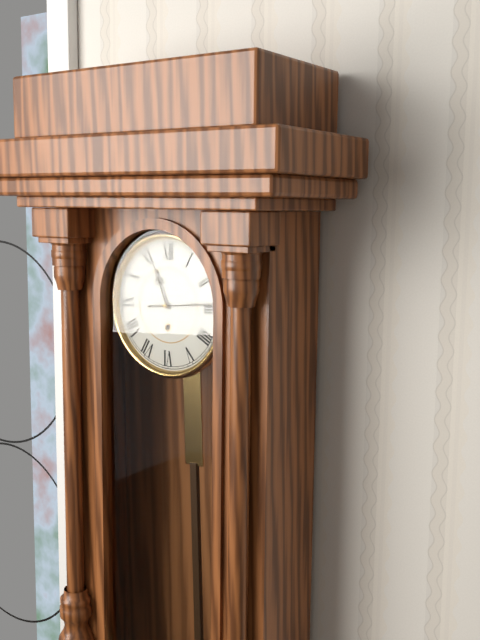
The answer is 11.14
